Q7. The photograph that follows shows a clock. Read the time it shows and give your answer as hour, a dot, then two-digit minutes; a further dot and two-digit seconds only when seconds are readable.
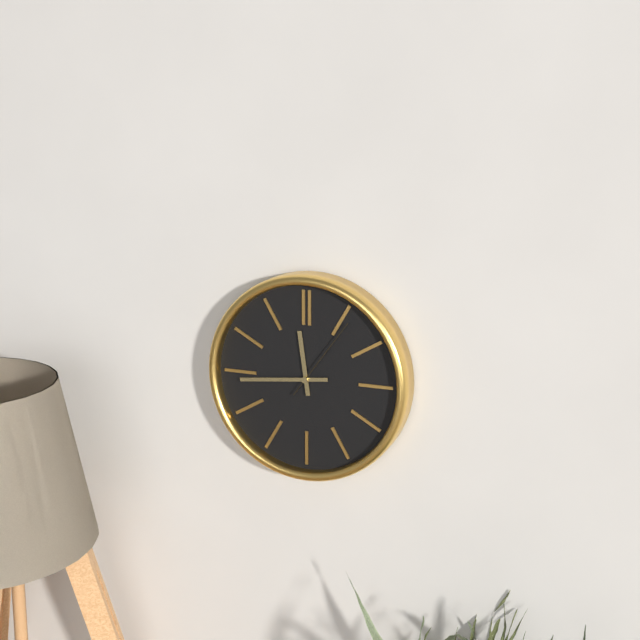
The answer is 11.44.06
